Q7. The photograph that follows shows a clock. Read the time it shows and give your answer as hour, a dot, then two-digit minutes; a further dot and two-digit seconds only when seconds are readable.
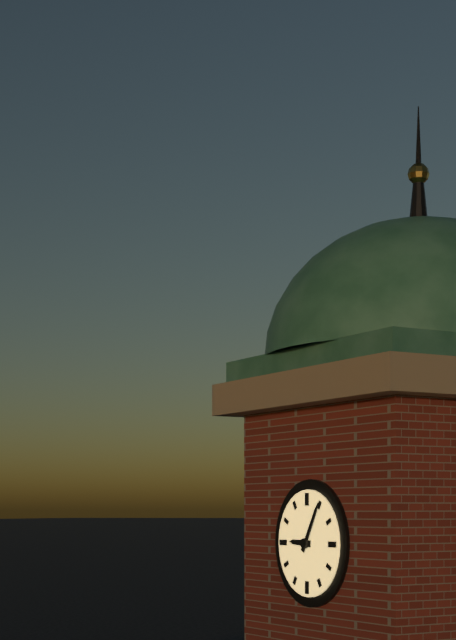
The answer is 9.05
